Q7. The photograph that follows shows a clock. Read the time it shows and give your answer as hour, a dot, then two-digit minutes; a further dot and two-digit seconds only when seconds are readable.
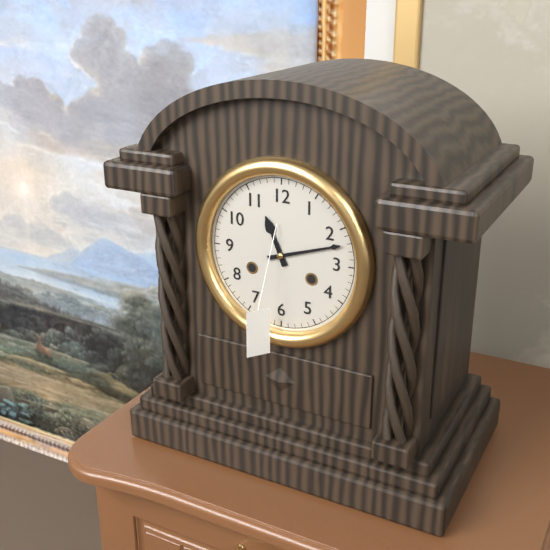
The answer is 11.12
